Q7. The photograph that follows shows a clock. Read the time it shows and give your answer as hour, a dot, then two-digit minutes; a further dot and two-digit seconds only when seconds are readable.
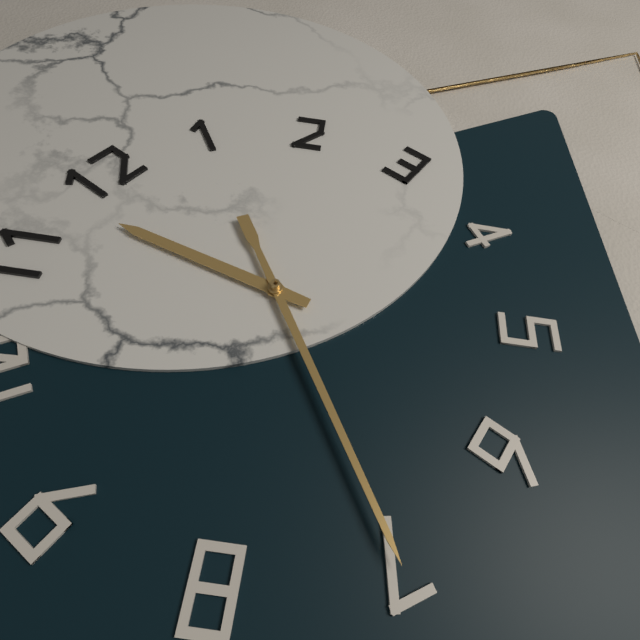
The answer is 11.35
